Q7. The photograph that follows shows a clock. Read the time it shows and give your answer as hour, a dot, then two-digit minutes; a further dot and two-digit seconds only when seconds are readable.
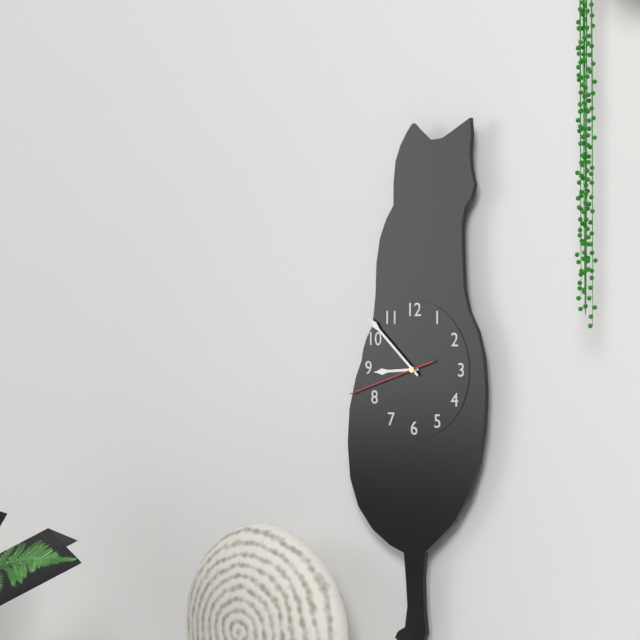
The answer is 8.52.42
